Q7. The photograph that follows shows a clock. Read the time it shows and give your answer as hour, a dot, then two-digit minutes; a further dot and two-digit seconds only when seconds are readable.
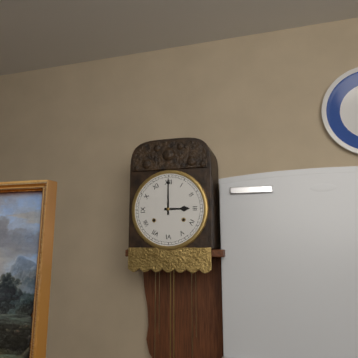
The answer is 3.00
